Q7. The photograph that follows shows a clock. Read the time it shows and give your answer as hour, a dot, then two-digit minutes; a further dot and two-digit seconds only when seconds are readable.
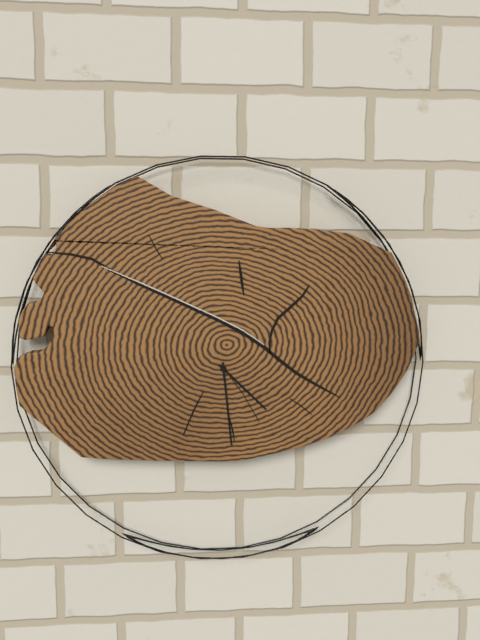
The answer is 4.29
